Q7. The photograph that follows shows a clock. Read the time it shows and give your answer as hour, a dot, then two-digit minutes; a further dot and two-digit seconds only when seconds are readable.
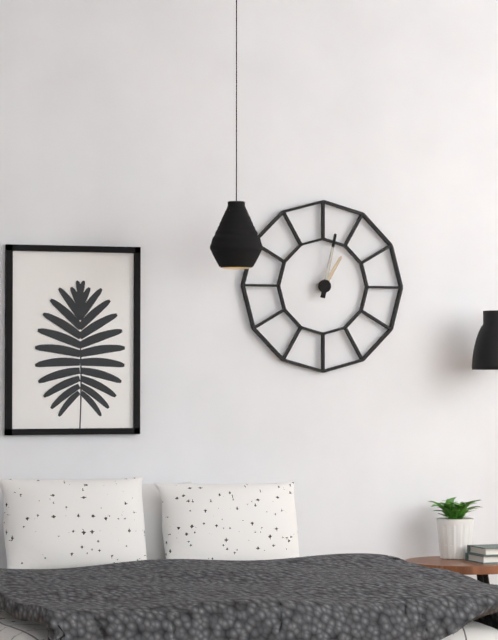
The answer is 1.02
